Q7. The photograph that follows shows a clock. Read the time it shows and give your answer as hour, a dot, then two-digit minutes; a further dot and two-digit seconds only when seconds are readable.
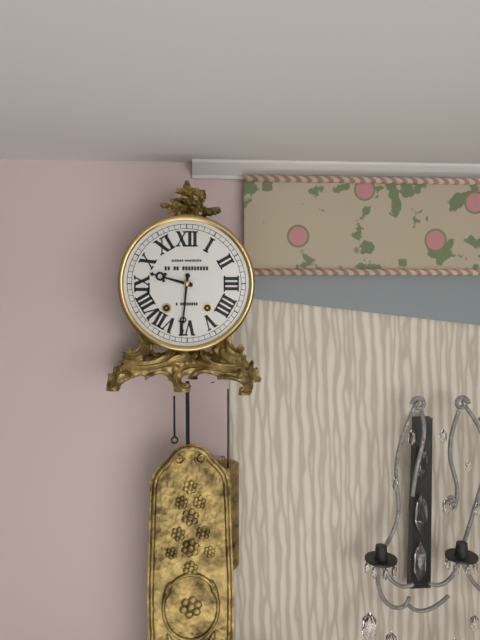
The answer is 9.31
